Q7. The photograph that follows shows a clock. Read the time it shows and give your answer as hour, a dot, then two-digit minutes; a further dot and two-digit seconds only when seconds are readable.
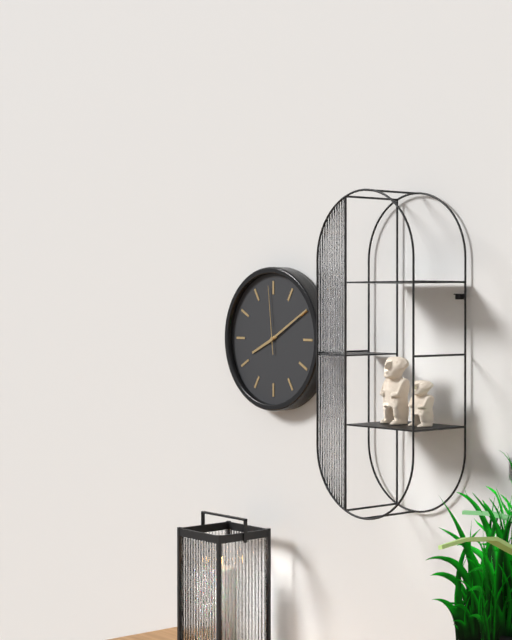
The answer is 8.10.59
